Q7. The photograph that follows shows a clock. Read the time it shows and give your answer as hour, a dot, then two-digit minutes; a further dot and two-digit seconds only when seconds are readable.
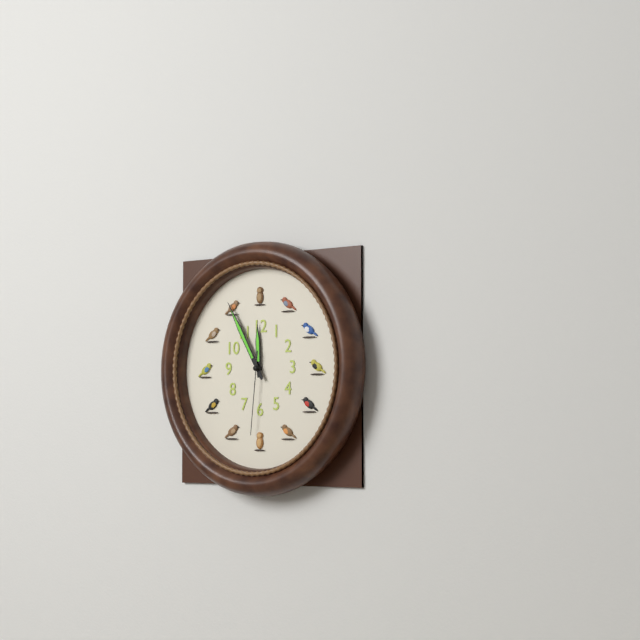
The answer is 11.55.31
